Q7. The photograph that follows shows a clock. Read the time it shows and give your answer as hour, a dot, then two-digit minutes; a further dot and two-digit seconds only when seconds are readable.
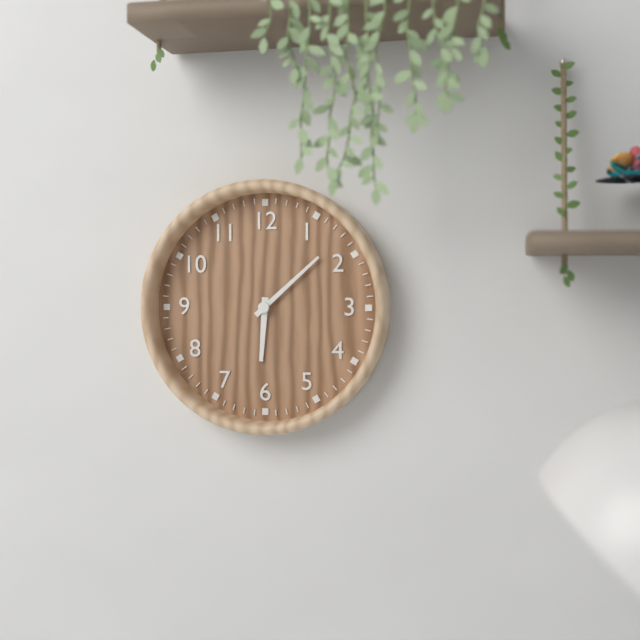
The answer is 6.08
